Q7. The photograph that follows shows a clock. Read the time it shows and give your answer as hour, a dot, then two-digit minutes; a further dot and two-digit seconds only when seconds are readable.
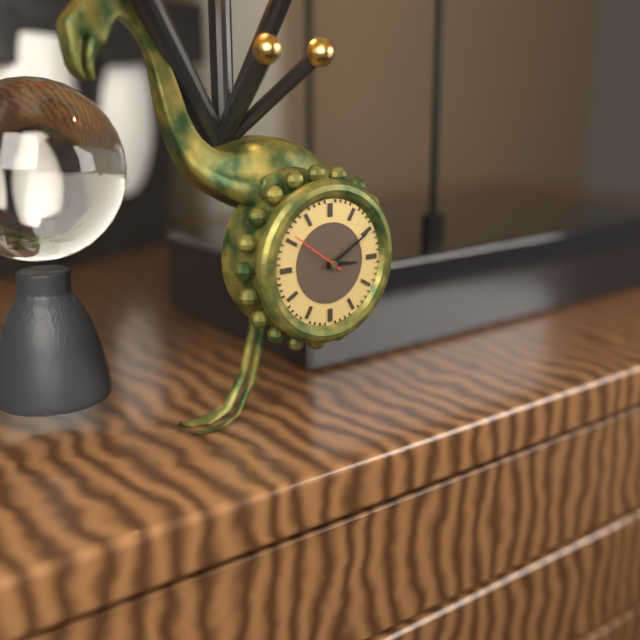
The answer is 3.10.51
